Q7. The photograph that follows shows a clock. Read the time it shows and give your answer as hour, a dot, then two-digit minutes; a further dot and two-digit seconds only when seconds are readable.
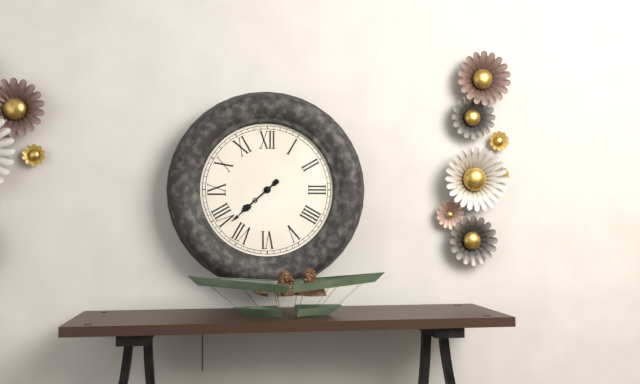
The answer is 7.38
